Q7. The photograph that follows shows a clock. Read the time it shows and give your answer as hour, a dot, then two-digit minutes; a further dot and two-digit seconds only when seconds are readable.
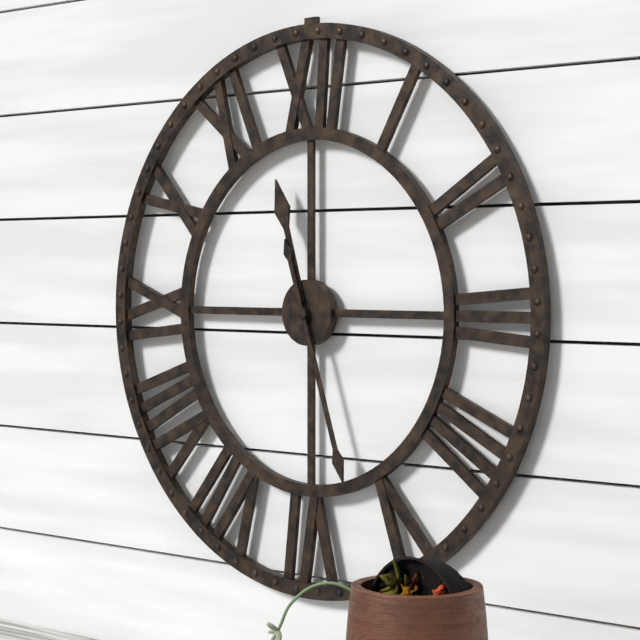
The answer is 11.27
